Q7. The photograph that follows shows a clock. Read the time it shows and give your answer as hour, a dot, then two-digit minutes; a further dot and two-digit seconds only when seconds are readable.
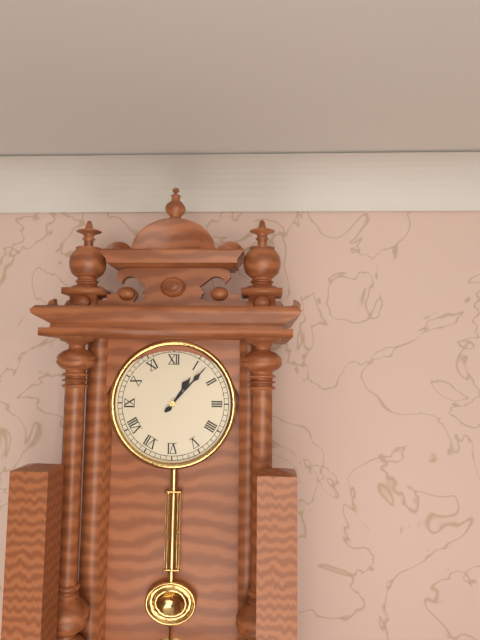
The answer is 1.07
